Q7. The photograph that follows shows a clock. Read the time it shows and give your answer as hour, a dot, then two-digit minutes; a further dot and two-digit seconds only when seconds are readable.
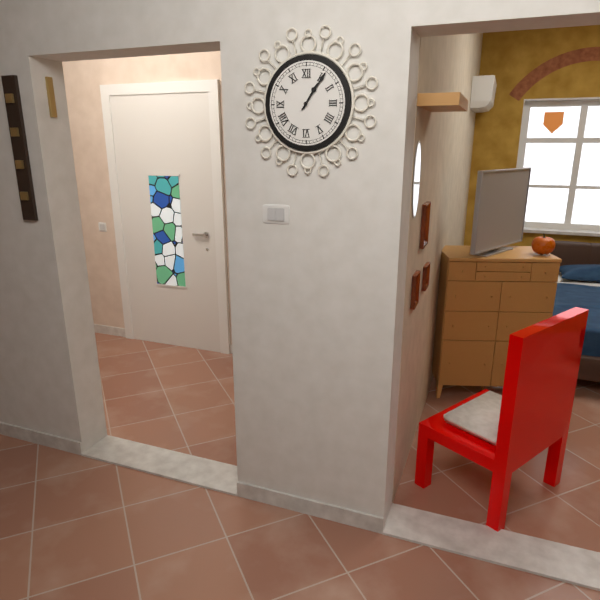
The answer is 1.06
